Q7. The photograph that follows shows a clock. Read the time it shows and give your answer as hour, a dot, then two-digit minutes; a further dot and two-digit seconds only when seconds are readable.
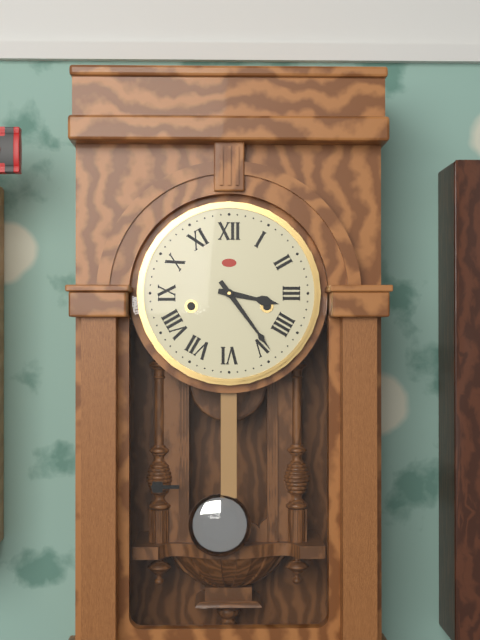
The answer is 3.24
